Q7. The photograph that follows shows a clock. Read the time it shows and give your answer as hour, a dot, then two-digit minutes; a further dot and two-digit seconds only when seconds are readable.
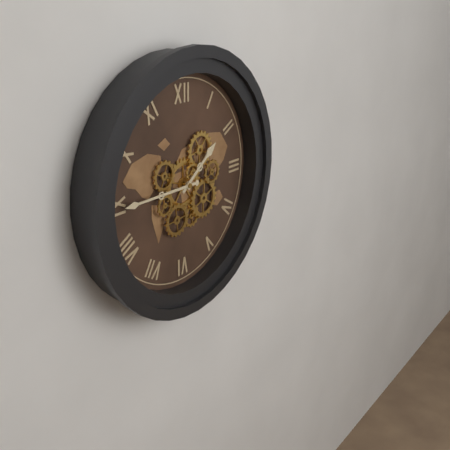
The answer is 1.45
